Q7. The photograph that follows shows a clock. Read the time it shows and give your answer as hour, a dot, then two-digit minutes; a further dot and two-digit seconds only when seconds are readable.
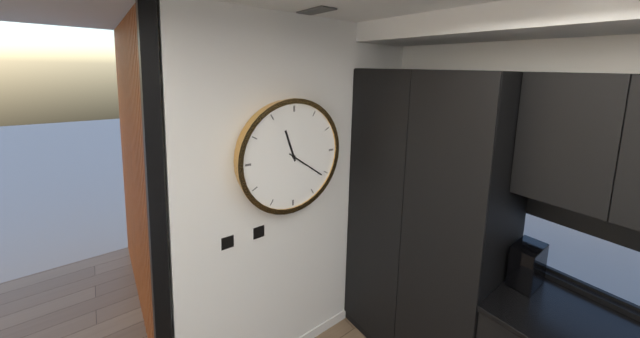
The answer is 11.21
